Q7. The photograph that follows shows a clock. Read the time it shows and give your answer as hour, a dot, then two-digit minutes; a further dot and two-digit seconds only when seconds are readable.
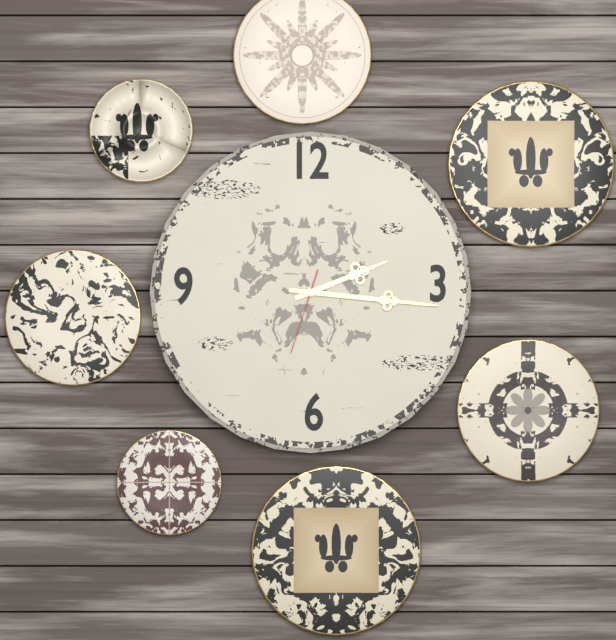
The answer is 2.16.33
